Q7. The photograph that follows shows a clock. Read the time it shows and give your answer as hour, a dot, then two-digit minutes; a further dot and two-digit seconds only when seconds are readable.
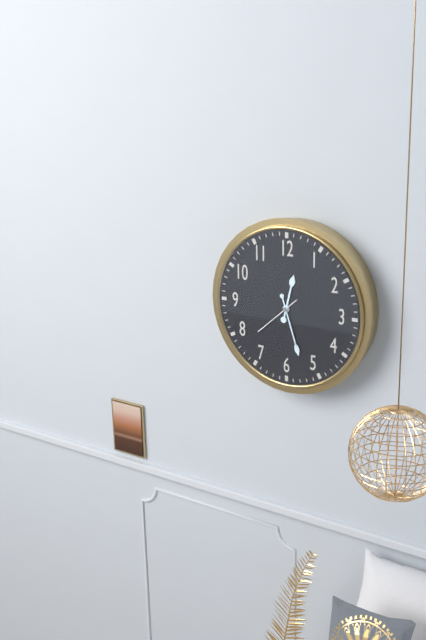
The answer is 12.27
